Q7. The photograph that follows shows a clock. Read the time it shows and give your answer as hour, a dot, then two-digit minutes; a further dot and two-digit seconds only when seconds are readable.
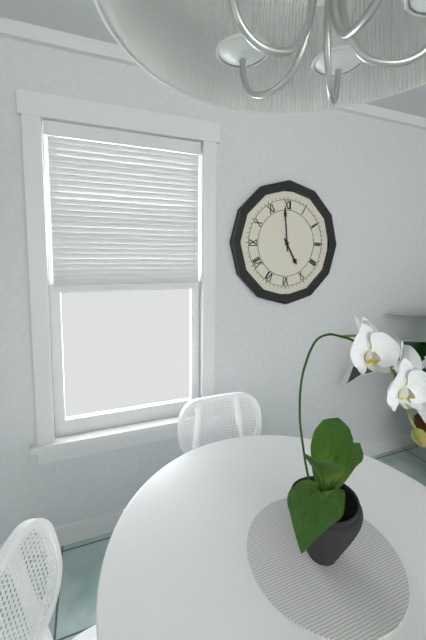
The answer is 4.59
